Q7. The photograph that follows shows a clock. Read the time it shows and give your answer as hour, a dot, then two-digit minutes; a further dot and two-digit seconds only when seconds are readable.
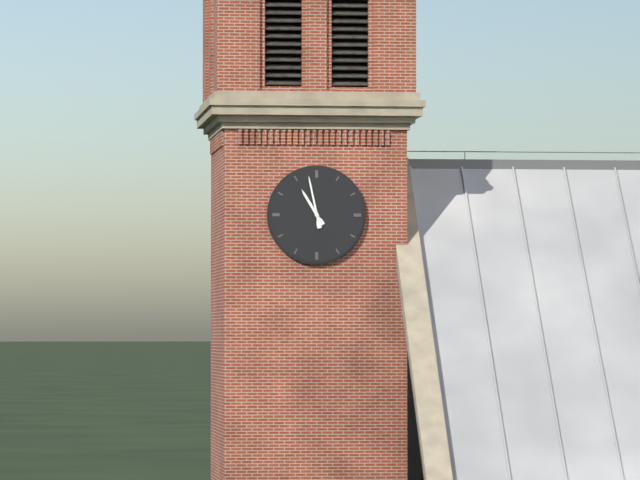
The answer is 10.58
